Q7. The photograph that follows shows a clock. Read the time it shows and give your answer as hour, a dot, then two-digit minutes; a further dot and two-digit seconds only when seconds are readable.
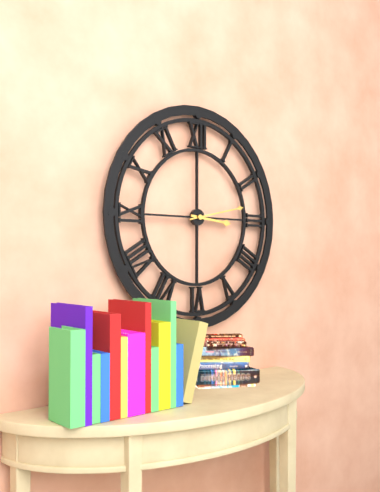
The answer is 3.13
